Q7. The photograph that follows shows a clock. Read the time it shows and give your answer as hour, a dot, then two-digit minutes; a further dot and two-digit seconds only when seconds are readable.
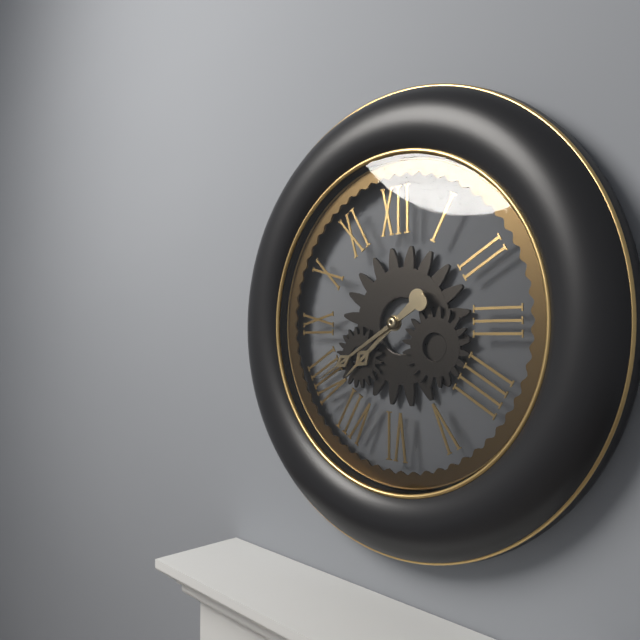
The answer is 7.40
